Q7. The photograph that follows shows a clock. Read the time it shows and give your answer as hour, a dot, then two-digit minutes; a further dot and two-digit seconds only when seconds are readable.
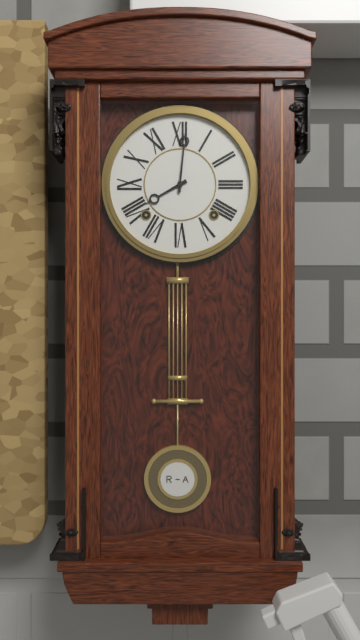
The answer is 8.01
